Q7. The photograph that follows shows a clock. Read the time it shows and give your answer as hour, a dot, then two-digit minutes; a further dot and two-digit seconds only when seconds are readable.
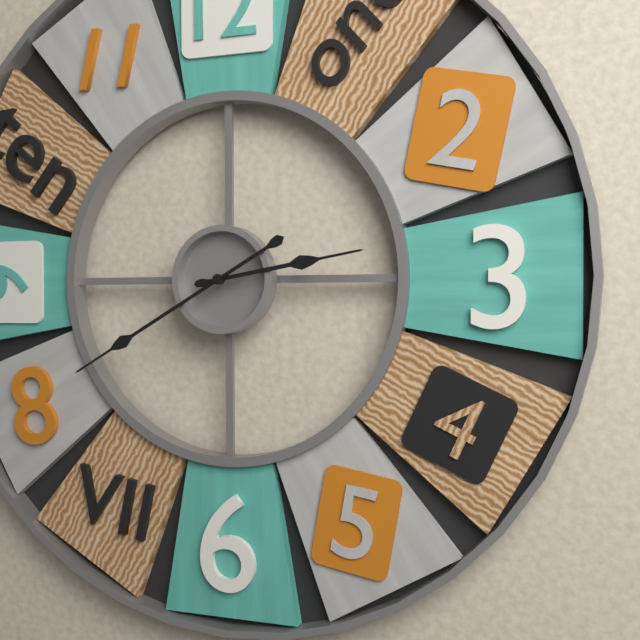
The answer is 2.40
